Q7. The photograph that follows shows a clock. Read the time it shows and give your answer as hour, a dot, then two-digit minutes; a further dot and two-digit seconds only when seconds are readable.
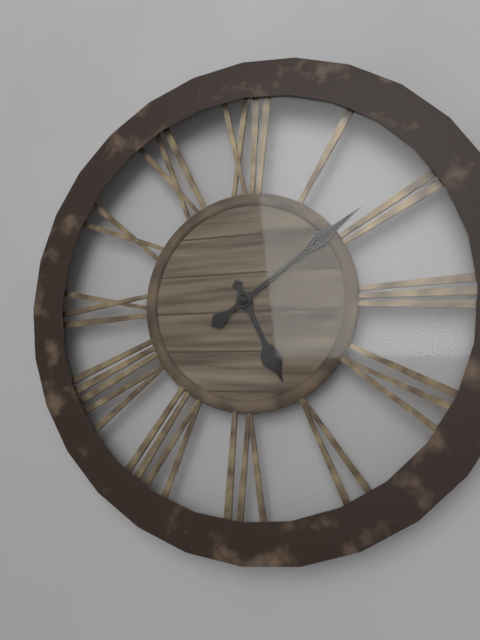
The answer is 5.09
